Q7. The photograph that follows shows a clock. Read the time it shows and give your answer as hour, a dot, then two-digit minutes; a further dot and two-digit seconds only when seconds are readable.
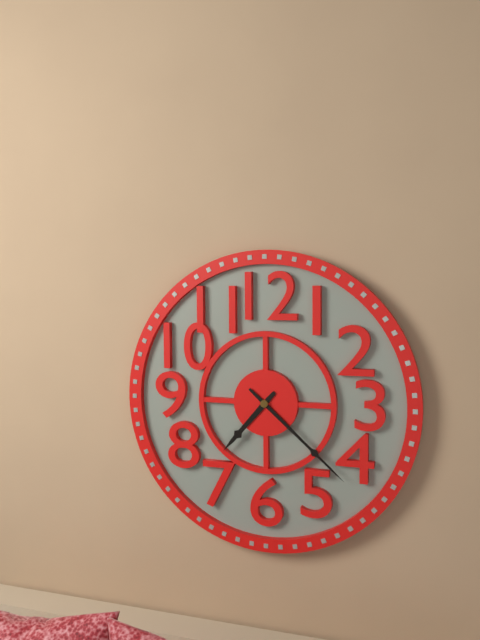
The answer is 7.22
